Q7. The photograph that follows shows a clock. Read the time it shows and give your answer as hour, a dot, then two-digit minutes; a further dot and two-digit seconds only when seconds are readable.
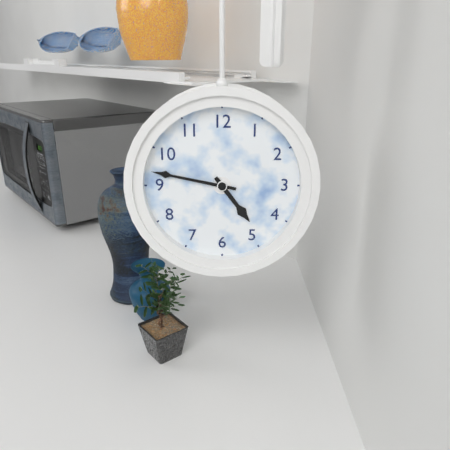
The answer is 4.47
